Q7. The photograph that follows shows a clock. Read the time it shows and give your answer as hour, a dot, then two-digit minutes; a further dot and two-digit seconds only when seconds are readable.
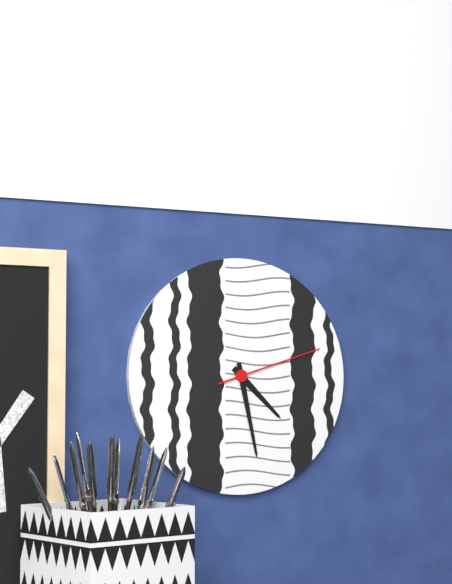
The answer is 4.28.12
